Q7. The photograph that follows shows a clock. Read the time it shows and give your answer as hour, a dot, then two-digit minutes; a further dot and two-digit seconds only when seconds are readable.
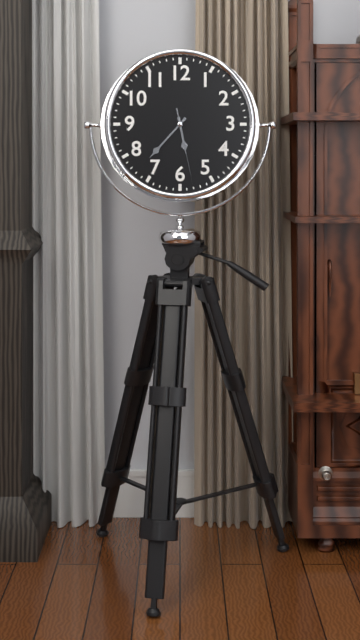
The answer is 5.37.28
